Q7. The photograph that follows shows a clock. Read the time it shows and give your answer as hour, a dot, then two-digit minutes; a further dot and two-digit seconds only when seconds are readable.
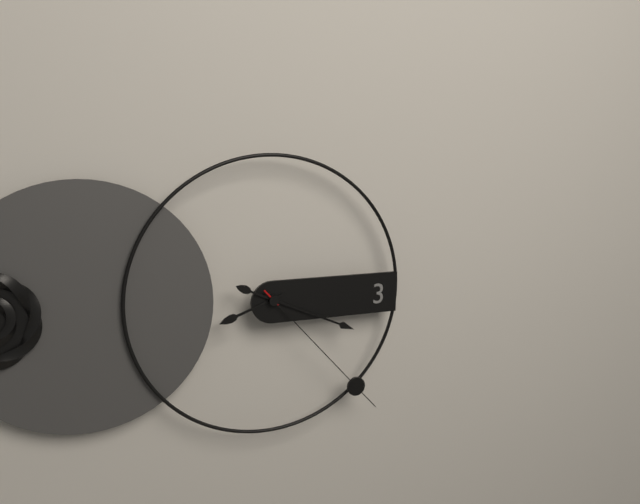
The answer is 8.19.23
